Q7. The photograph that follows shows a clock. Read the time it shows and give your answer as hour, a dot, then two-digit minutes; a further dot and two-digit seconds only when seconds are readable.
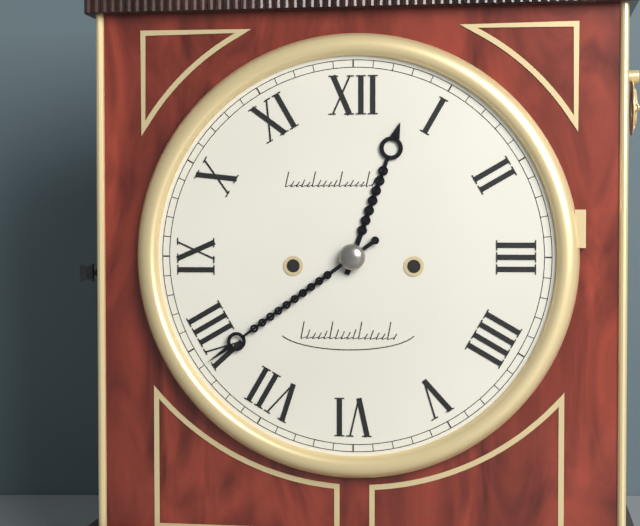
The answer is 12.39
